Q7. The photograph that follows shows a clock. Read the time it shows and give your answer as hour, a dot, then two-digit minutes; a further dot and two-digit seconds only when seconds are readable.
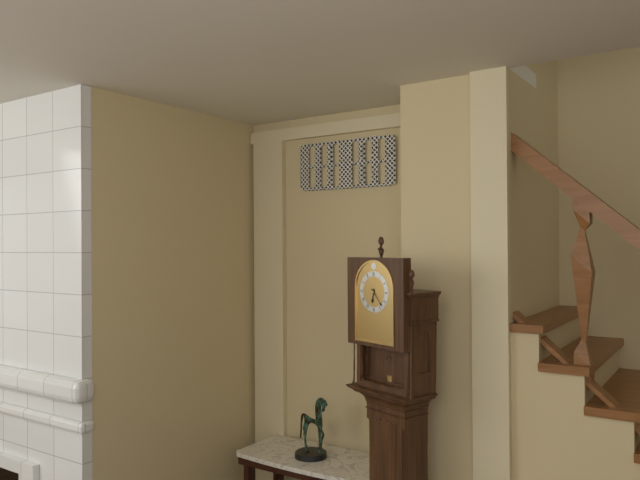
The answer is 6.23
